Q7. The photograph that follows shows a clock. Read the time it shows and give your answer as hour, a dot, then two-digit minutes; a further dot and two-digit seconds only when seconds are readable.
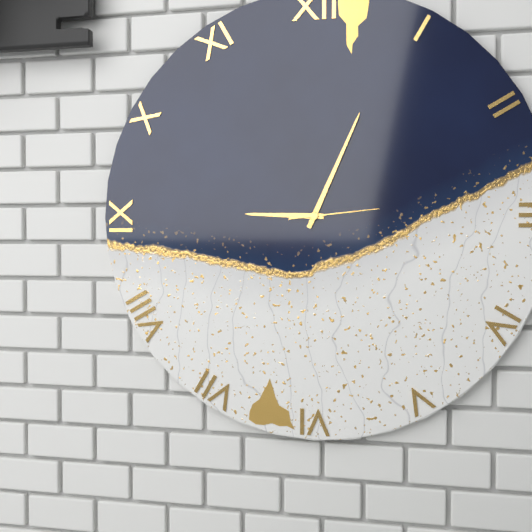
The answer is 9.04.14
